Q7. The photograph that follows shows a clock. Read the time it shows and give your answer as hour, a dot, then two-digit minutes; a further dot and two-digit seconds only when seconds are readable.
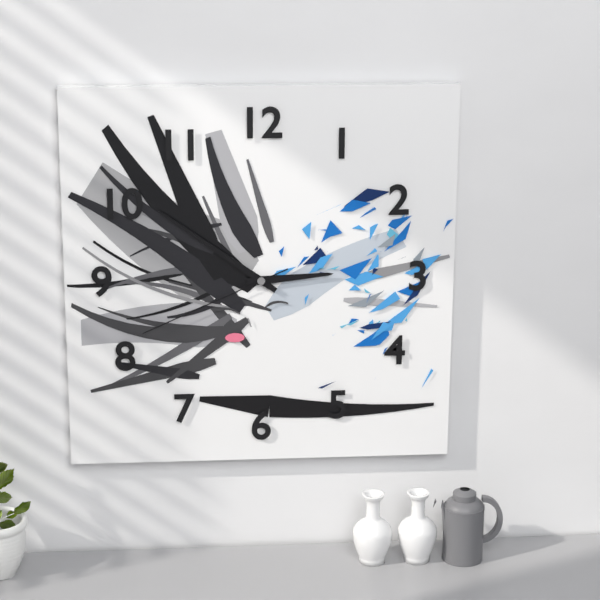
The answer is 2.51.41
